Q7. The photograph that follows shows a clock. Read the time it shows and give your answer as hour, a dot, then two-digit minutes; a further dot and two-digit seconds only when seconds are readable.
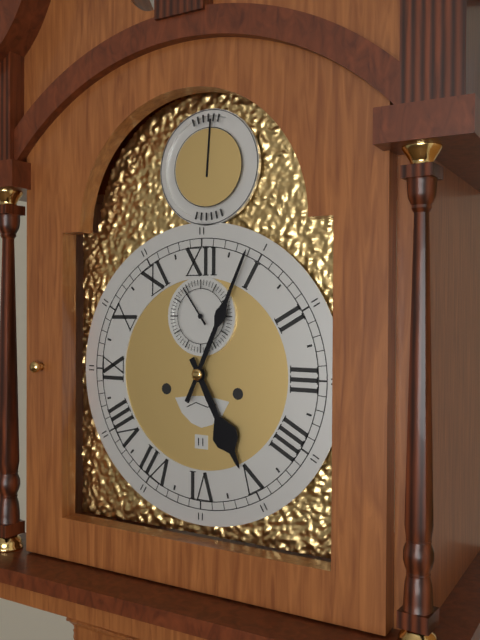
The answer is 5.04
